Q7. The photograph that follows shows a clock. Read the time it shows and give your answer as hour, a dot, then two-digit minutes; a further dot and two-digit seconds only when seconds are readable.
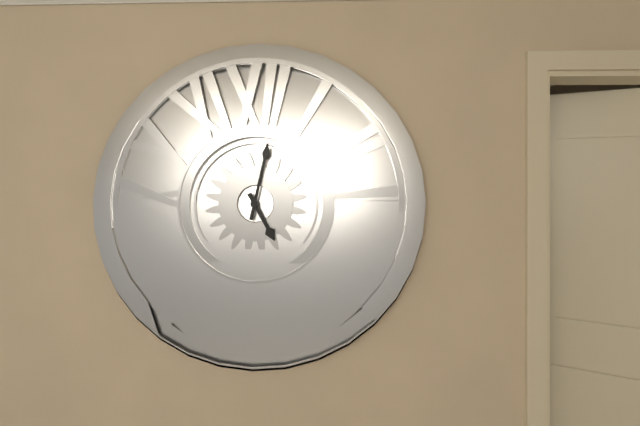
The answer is 5.02
